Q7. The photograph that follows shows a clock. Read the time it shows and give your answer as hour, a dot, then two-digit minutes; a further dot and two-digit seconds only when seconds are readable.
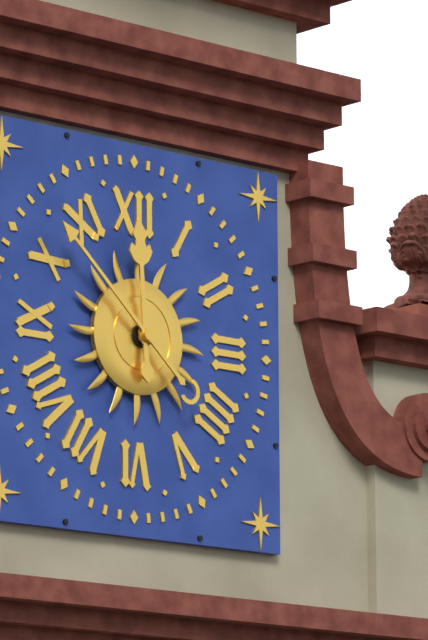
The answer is 11.52
